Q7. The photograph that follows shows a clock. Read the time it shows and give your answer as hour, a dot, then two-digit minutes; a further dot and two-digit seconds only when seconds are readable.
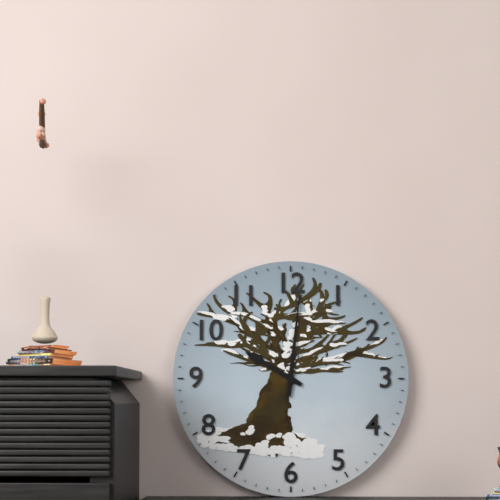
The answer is 10.01
